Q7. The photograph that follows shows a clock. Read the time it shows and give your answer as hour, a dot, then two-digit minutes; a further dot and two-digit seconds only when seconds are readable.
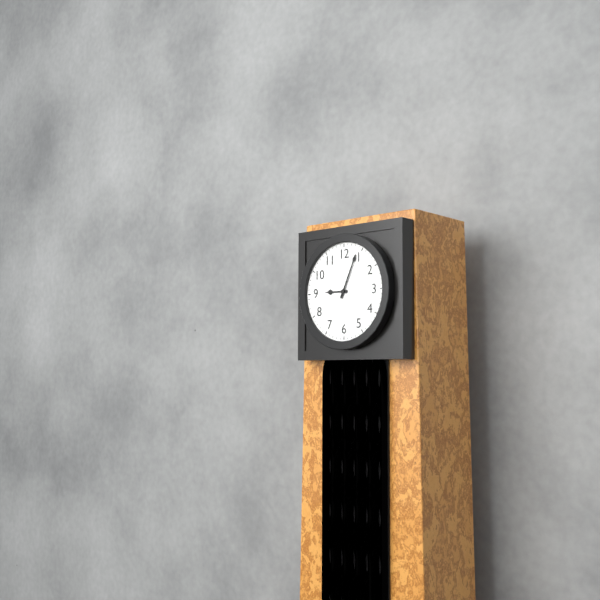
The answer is 9.04
